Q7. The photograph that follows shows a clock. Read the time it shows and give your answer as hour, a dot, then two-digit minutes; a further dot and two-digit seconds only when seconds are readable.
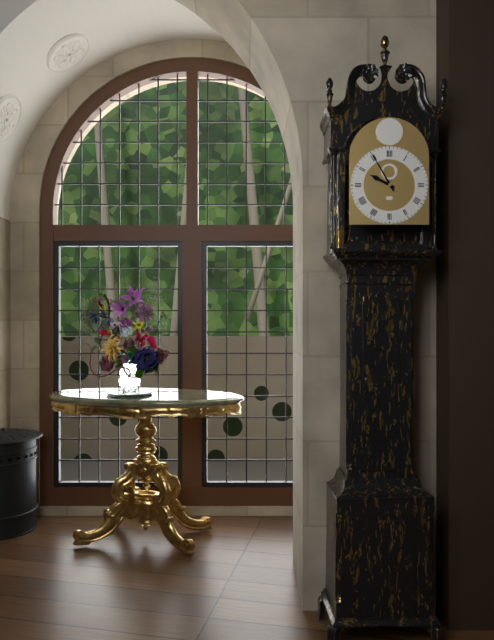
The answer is 9.55
